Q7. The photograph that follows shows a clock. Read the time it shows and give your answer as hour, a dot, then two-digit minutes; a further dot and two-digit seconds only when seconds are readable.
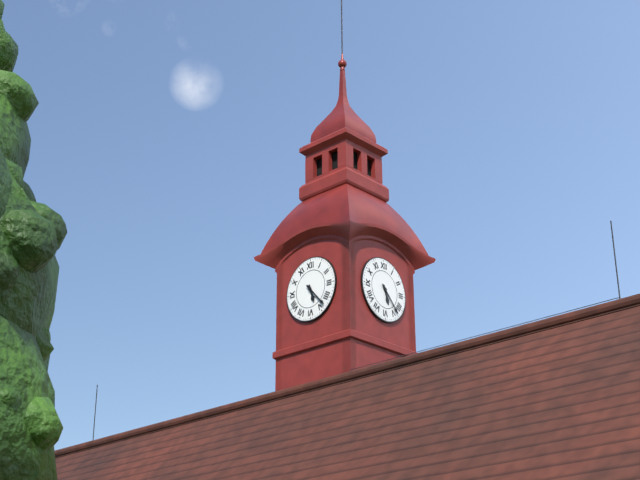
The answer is 5.23
